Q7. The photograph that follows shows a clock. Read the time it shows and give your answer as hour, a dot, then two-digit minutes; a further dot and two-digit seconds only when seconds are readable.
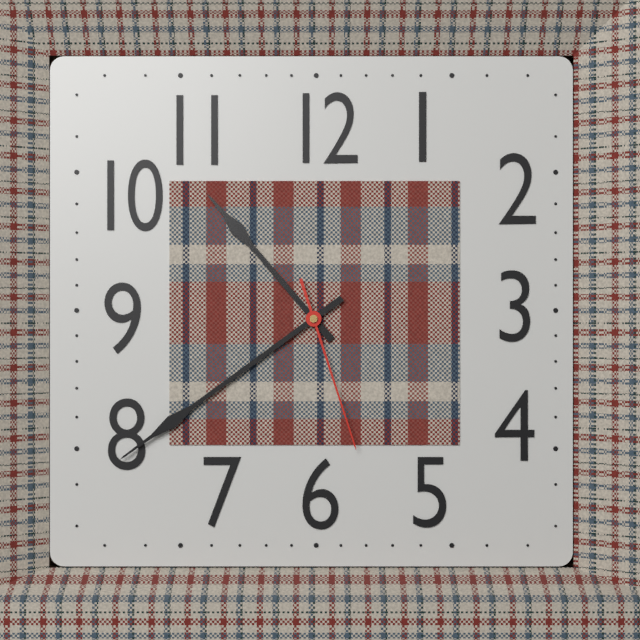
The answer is 10.39.27
